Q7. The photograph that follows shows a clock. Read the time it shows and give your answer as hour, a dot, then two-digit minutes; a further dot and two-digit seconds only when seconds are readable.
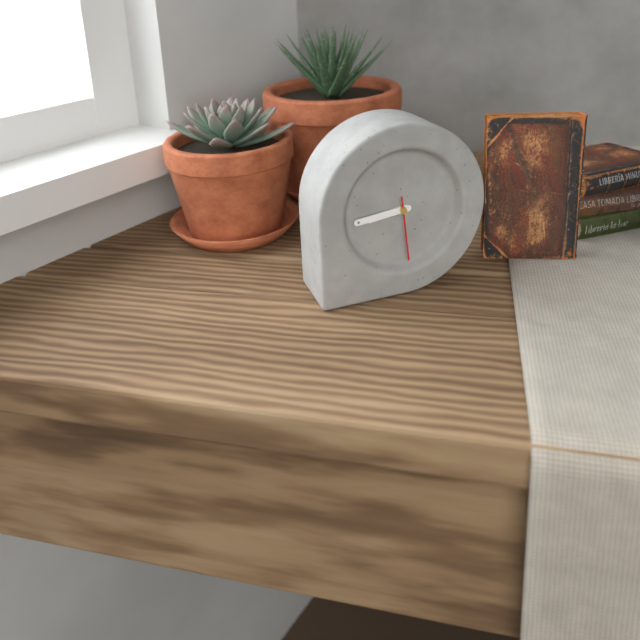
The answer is 8.44.29
